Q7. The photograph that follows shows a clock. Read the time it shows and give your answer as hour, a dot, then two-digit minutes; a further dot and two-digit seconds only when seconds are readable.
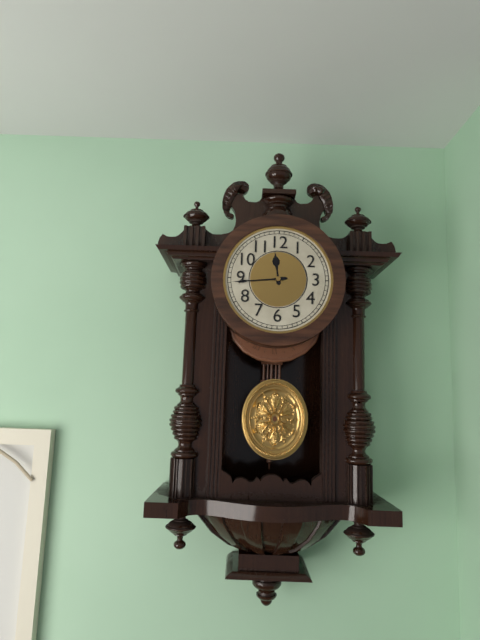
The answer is 11.44
